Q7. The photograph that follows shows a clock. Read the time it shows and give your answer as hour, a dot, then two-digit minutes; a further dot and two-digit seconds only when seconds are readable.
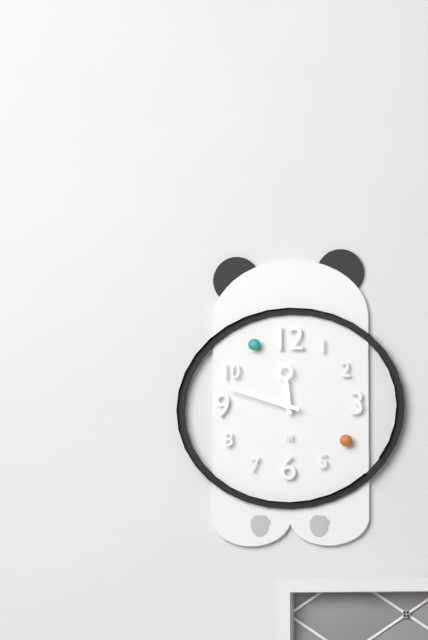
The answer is 11.48
